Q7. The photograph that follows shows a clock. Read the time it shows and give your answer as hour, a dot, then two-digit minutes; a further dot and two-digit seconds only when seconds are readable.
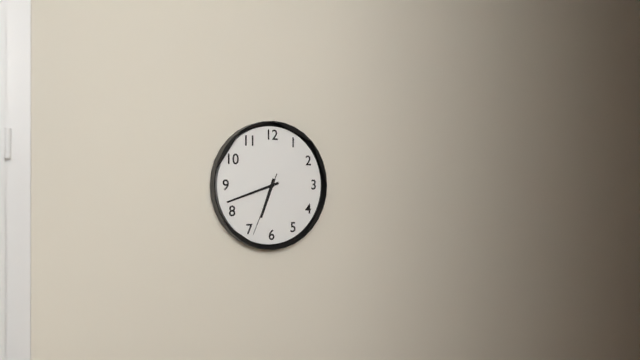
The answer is 6.42.34
